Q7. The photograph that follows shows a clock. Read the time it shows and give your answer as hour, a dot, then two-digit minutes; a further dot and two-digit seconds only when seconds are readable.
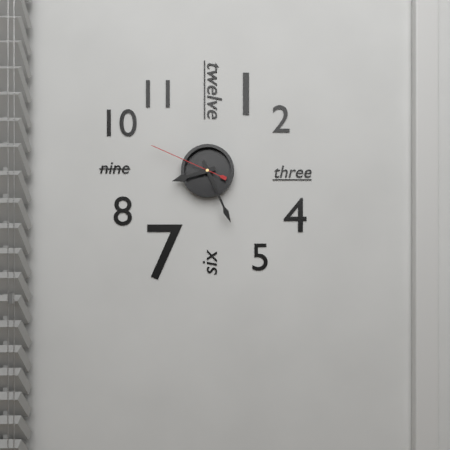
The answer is 8.26.49
